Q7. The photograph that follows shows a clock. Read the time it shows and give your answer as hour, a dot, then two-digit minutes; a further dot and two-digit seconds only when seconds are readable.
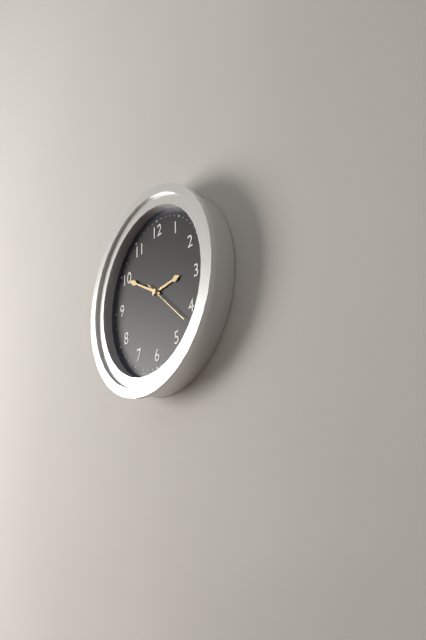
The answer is 2.50
